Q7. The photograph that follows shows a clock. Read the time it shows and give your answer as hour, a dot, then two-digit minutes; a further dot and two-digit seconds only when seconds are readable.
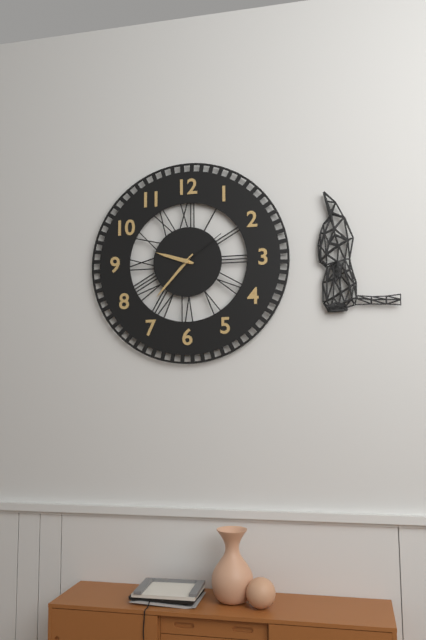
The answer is 9.37.09
